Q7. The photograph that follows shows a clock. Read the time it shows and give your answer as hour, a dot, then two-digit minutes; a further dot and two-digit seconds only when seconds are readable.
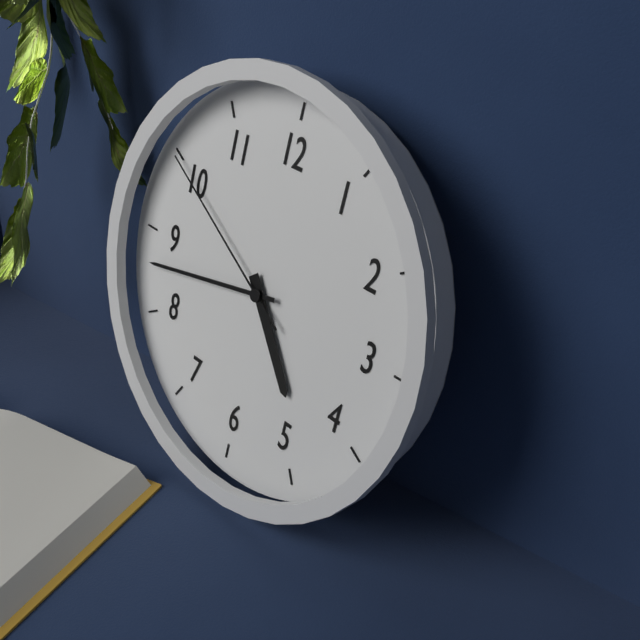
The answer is 4.43.50
